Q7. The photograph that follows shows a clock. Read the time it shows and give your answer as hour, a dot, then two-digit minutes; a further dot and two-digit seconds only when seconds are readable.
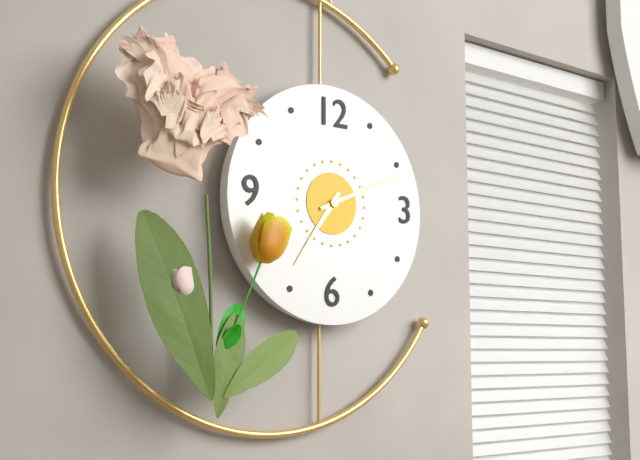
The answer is 7.11
